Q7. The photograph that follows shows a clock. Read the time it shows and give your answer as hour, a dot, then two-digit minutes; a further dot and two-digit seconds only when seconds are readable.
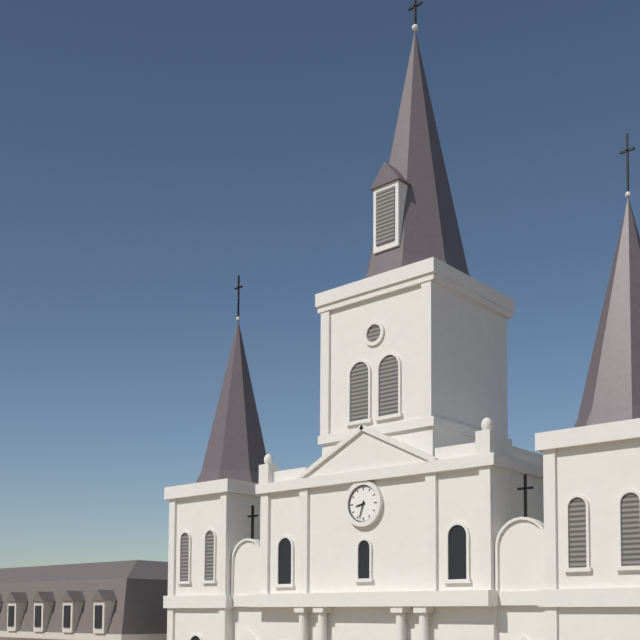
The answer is 8.33
